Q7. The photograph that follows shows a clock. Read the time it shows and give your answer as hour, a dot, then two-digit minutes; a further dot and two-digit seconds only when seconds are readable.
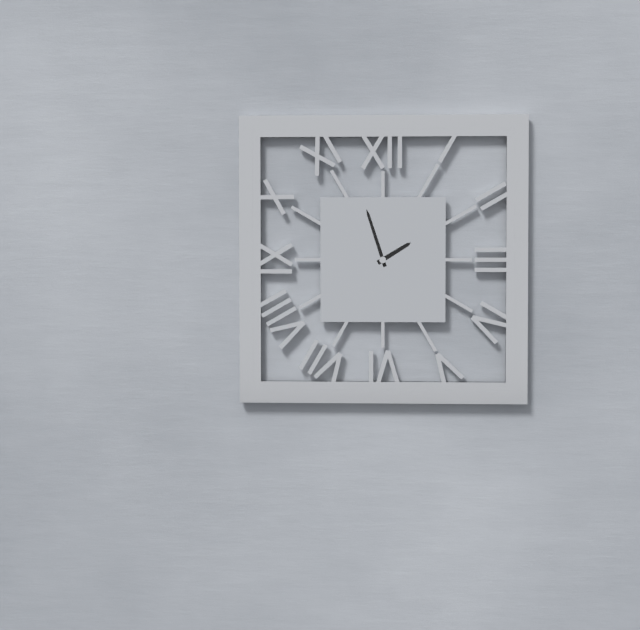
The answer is 1.57
